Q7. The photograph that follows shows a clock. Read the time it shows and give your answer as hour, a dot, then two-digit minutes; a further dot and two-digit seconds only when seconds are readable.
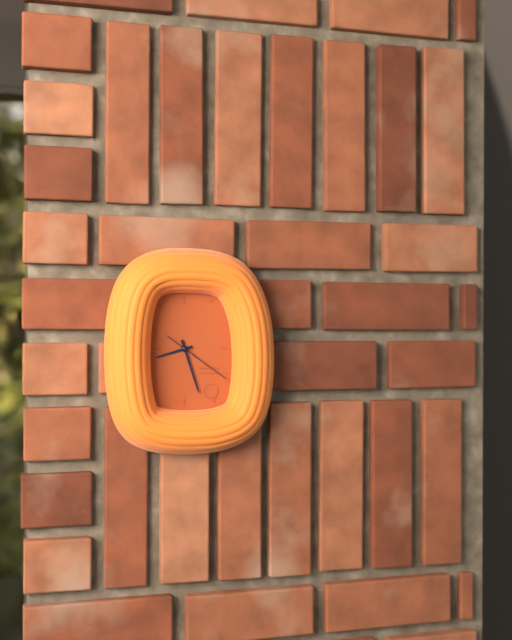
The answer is 8.27.21
